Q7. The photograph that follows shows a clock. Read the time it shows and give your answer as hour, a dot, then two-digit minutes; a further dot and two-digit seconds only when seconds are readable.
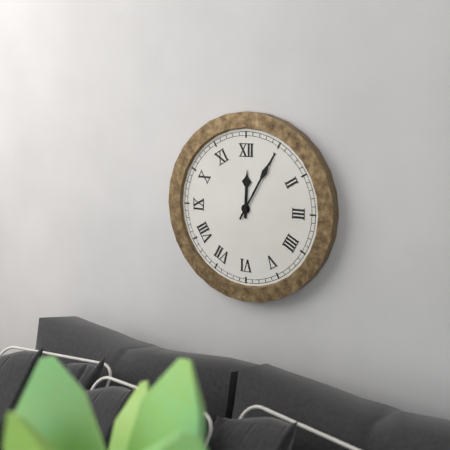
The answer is 12.05
